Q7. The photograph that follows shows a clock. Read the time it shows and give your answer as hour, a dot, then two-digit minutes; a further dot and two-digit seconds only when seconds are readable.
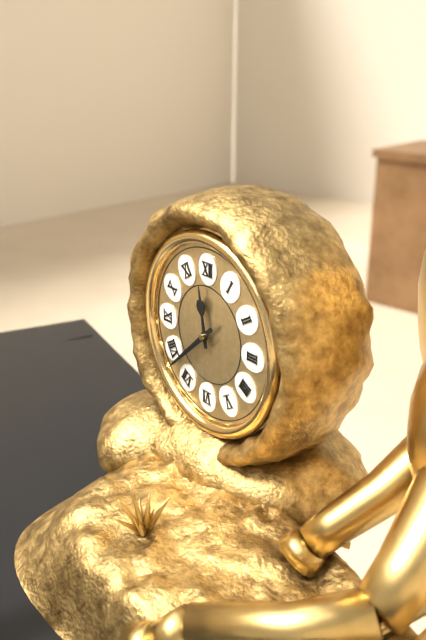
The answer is 11.38
